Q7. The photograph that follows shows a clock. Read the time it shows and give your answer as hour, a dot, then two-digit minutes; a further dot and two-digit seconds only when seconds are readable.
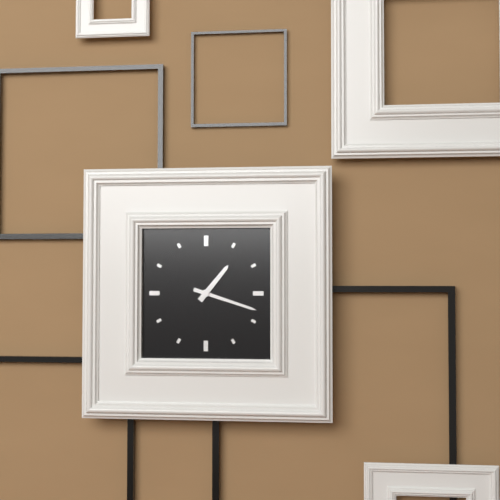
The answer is 1.18
